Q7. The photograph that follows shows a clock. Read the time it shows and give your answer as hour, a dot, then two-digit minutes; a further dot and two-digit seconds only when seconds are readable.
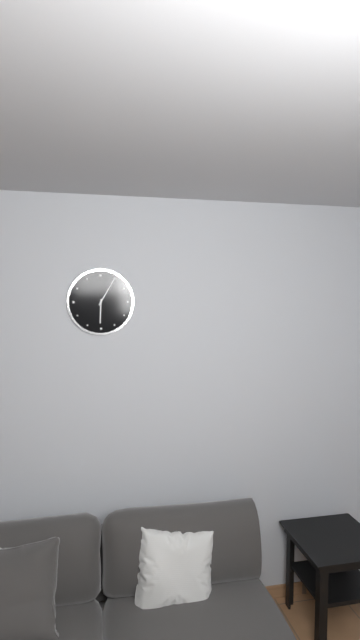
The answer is 6.05
